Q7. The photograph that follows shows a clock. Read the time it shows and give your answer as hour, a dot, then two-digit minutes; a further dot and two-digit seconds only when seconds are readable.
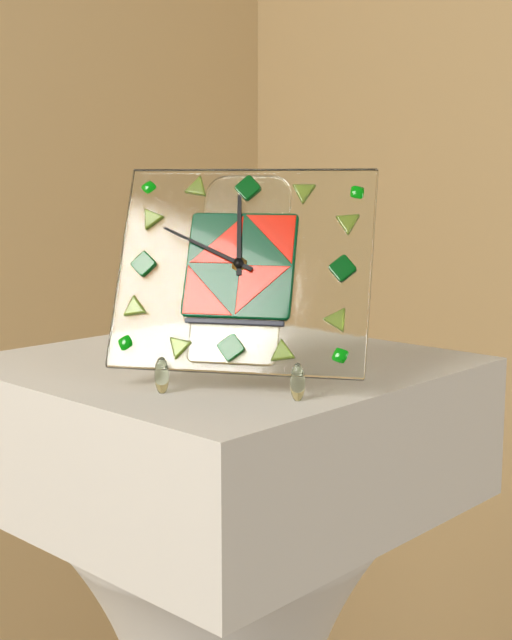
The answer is 11.49
